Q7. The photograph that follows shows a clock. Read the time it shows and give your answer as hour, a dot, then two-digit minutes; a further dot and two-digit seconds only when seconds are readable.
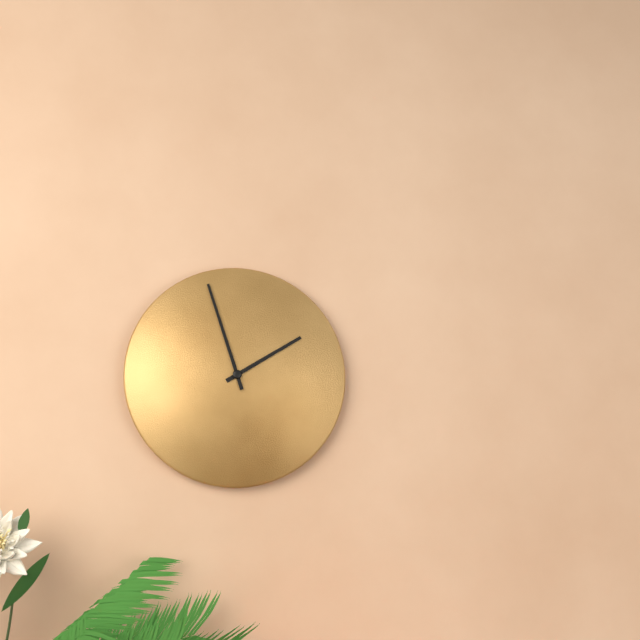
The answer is 1.57
